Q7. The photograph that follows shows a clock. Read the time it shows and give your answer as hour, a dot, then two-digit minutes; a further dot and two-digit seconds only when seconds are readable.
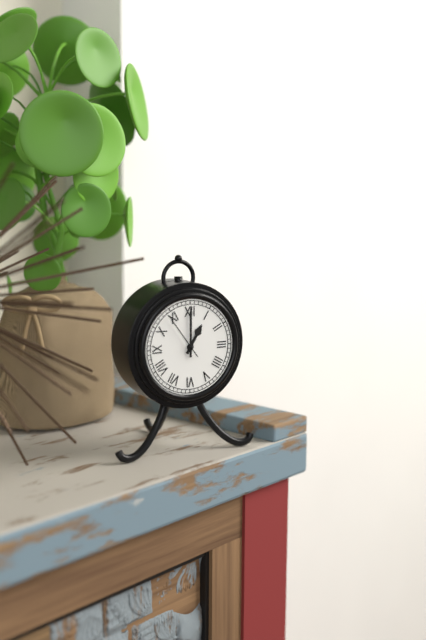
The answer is 1.00
